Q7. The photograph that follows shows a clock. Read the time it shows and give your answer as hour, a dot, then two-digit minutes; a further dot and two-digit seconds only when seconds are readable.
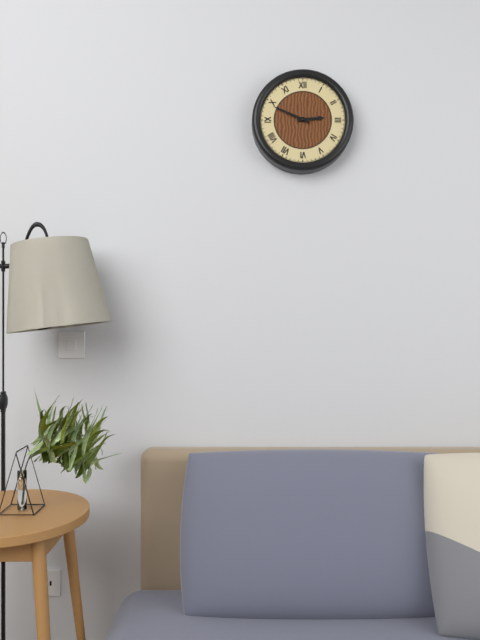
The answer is 2.49
